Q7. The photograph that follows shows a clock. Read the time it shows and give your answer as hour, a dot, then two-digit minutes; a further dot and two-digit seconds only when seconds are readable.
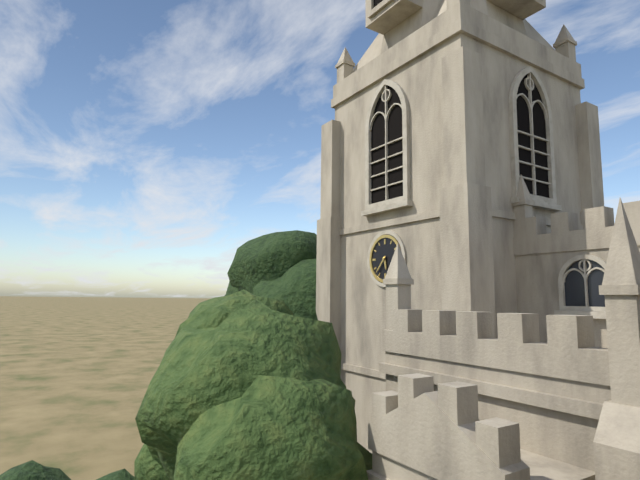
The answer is 5.37
